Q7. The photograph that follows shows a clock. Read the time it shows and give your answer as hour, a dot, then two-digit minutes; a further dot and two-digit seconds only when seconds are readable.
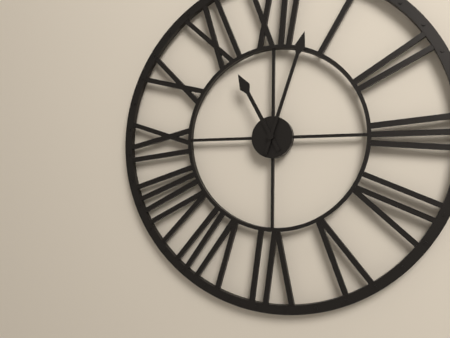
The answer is 11.03
